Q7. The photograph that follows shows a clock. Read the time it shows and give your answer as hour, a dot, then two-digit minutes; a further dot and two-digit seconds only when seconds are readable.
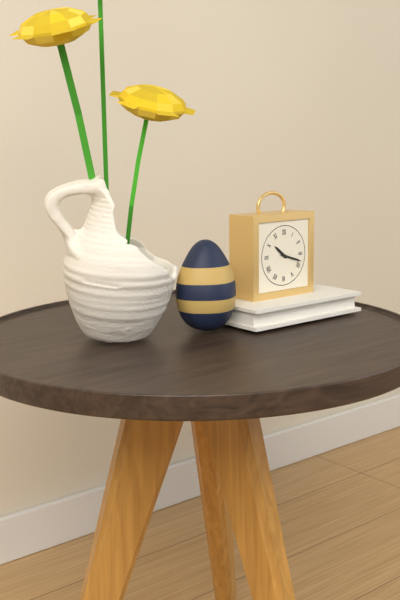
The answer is 10.18
